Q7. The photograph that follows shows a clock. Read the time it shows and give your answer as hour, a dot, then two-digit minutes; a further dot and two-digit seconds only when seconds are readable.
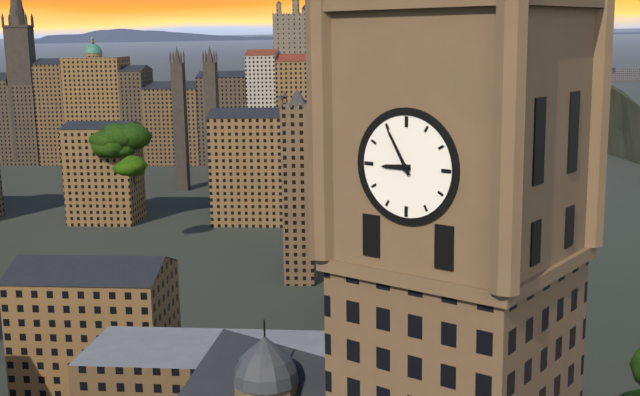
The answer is 8.55
